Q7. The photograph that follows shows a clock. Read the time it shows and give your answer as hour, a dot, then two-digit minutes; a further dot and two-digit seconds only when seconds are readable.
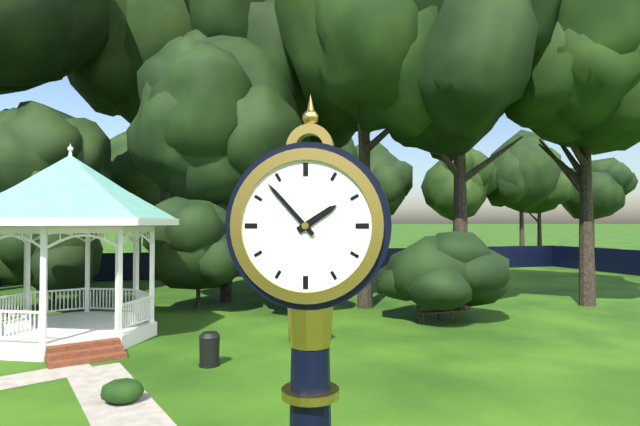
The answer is 1.53
